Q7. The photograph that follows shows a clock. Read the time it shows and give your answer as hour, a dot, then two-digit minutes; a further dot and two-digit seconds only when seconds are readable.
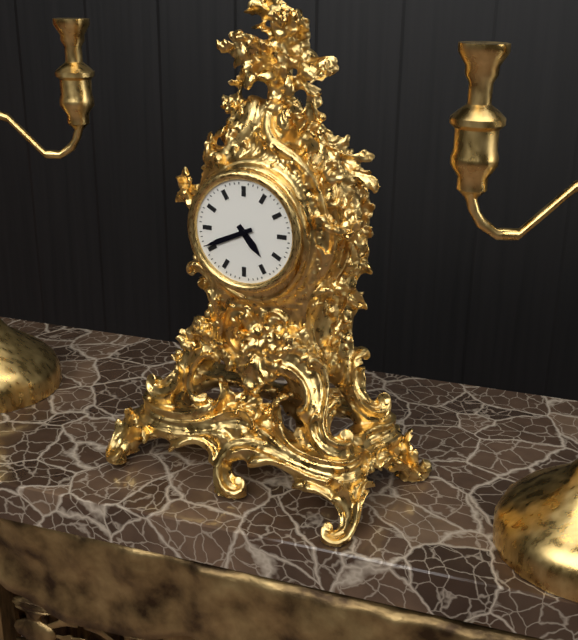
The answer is 4.41
